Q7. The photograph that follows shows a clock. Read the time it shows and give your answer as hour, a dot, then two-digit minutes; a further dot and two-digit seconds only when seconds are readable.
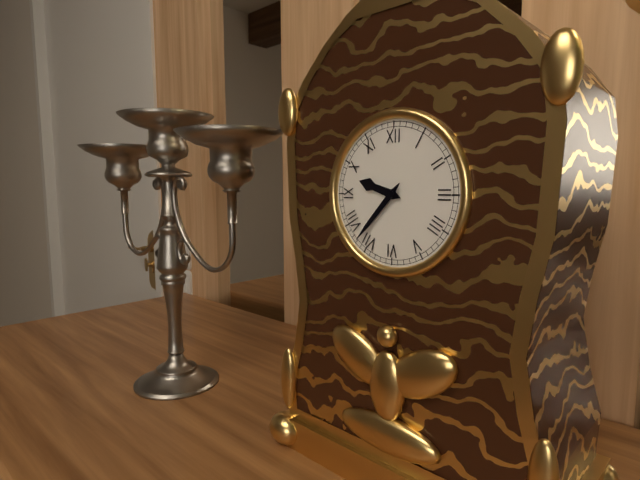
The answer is 9.37
